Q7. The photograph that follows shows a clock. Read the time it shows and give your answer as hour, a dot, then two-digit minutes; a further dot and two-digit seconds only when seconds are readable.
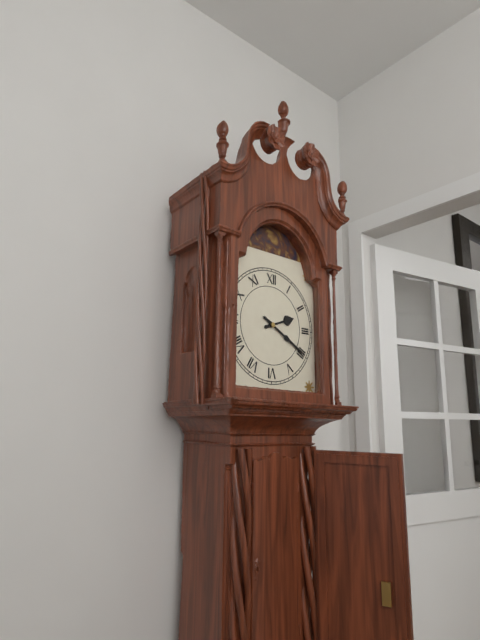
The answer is 2.20
